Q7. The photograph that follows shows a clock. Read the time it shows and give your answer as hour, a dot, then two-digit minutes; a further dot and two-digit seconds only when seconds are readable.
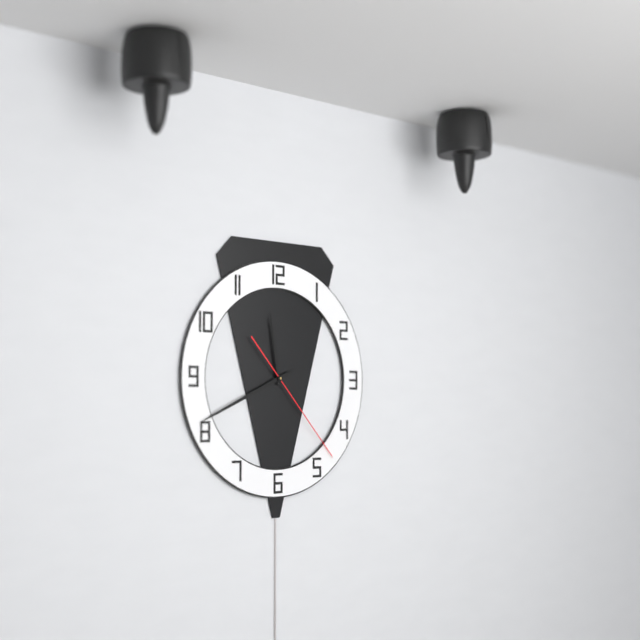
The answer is 11.41.23
